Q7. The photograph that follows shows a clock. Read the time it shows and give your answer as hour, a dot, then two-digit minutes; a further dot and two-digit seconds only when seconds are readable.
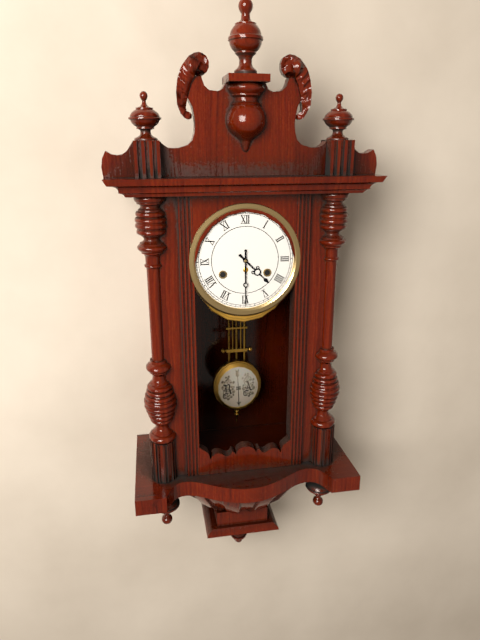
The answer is 4.30
